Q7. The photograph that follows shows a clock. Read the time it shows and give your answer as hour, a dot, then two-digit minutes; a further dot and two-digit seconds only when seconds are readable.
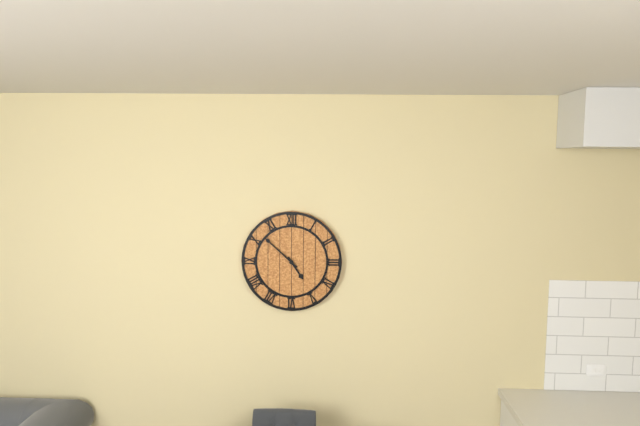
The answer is 4.52
